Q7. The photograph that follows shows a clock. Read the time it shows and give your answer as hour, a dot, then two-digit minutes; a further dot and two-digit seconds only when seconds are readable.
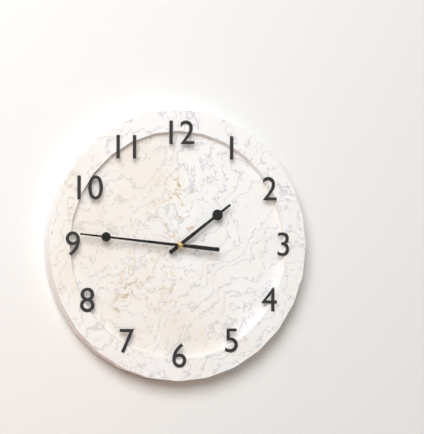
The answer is 1.46.46
